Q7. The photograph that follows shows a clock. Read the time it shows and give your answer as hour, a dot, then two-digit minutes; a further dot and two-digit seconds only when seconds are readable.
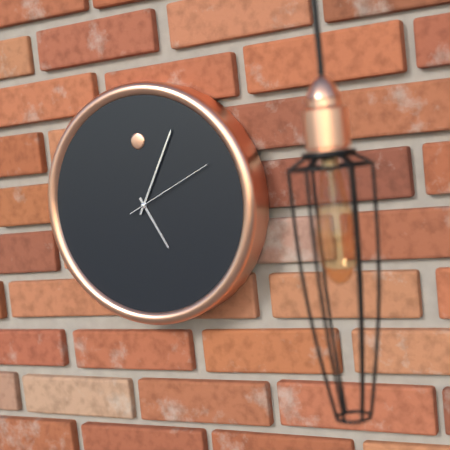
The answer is 5.05.11
